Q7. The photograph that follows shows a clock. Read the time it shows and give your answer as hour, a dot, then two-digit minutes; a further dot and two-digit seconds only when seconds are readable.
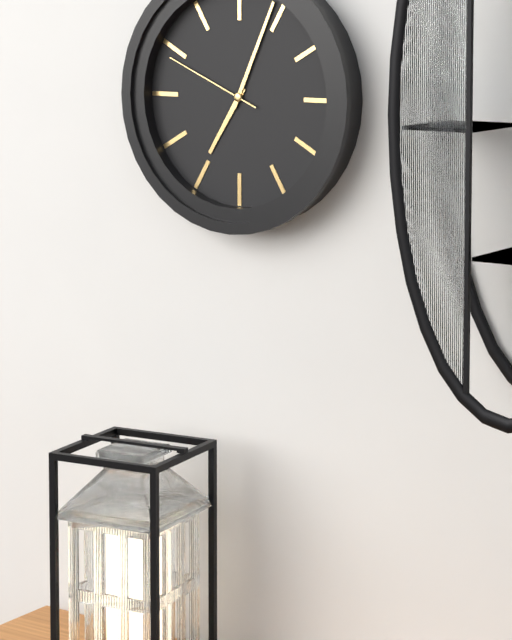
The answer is 7.04.49
